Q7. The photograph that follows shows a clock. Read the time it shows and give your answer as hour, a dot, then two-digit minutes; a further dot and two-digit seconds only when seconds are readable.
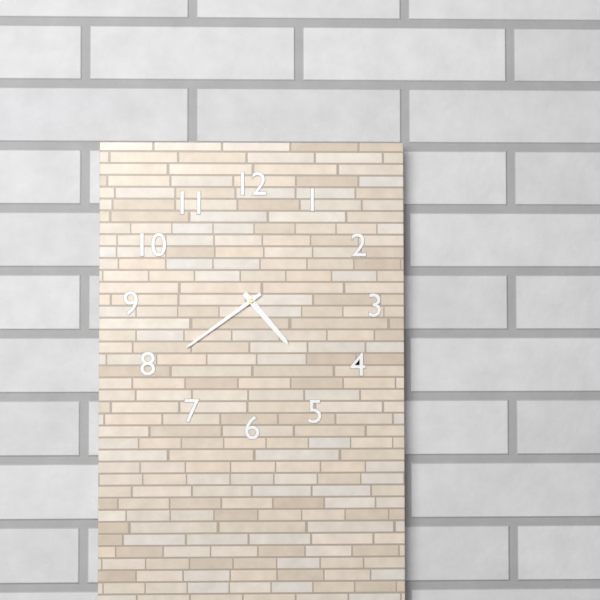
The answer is 4.39
